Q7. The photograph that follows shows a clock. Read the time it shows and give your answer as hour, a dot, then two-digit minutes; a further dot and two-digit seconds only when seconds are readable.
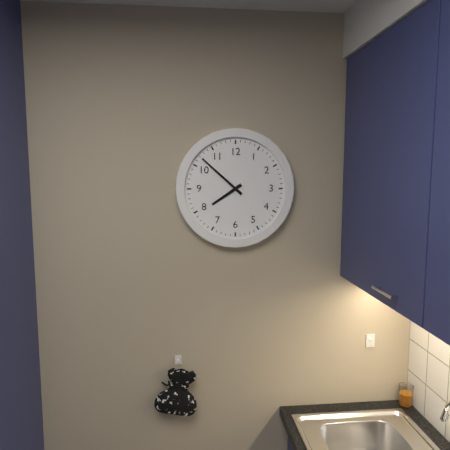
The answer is 7.52
